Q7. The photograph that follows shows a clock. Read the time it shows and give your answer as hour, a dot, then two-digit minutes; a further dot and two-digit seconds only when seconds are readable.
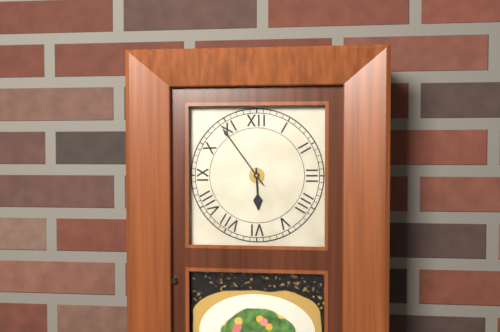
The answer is 5.54
